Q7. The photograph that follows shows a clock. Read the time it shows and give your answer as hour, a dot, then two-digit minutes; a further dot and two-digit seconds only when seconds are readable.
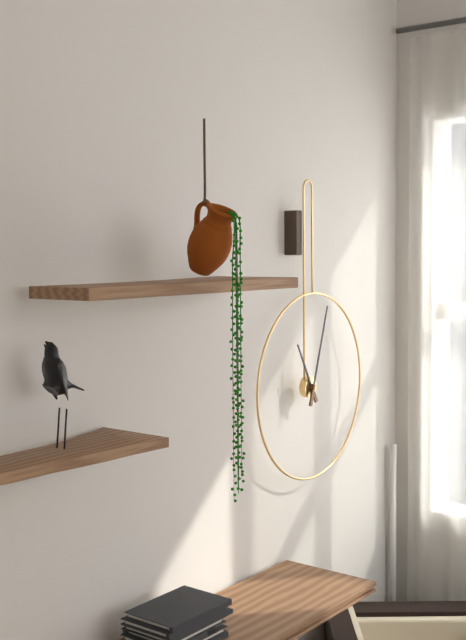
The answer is 11.03
